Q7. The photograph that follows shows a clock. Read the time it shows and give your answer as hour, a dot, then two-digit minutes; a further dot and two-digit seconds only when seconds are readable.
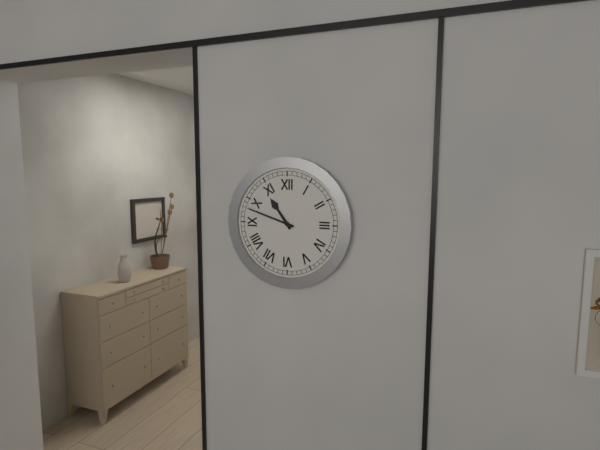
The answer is 10.48
